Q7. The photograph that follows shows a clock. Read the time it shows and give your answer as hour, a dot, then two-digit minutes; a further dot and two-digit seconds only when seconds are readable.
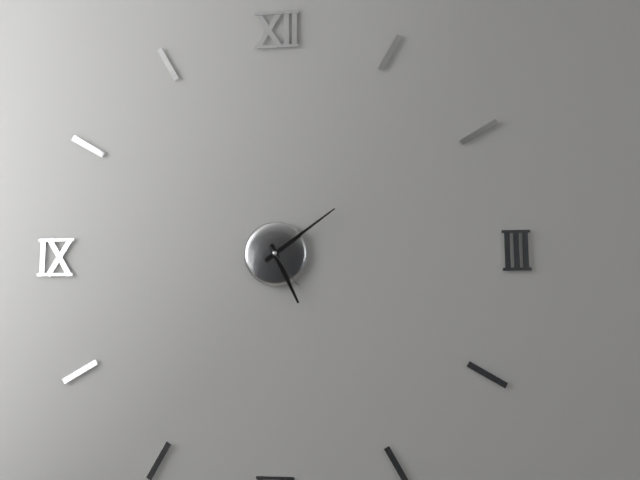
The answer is 5.09.24
